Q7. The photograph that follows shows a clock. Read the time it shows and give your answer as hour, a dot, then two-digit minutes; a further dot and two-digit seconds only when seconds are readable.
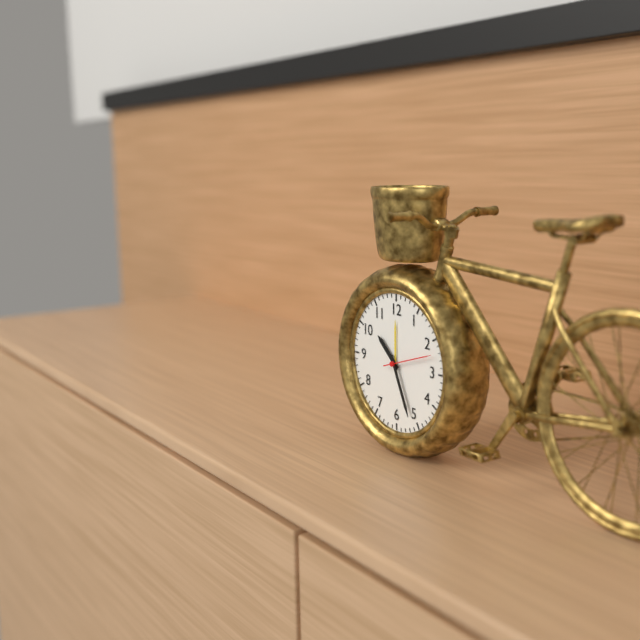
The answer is 10.26
